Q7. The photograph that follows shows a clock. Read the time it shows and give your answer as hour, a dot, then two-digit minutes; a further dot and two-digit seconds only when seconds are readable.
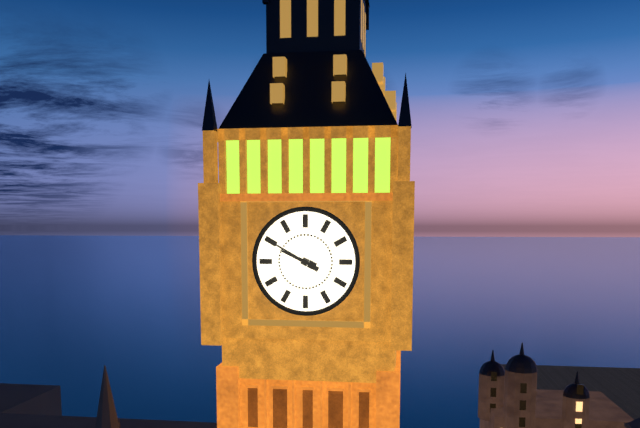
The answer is 9.50
